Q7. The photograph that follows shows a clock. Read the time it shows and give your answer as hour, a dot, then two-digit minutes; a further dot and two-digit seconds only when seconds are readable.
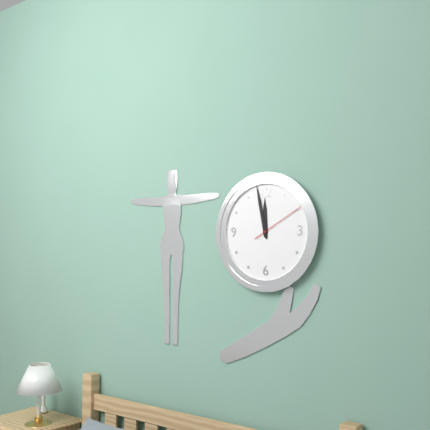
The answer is 11.58.10
